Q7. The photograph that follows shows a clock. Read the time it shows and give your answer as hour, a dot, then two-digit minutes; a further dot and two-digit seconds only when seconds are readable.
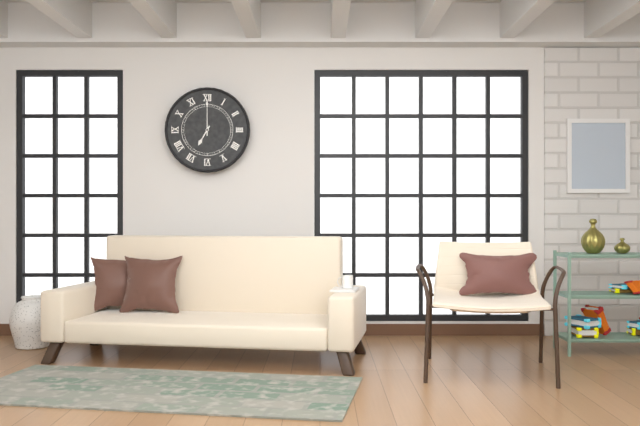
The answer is 7.00
